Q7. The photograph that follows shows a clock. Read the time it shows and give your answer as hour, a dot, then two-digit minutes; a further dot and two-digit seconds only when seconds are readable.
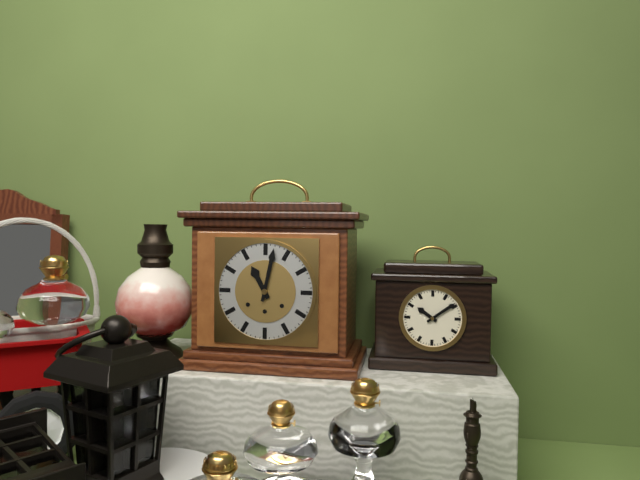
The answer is 11.02
